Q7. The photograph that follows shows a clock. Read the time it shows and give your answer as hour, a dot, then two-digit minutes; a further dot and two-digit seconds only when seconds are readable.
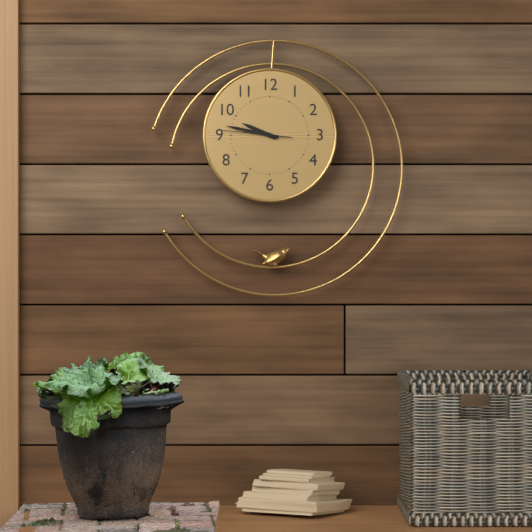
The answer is 9.47.46
